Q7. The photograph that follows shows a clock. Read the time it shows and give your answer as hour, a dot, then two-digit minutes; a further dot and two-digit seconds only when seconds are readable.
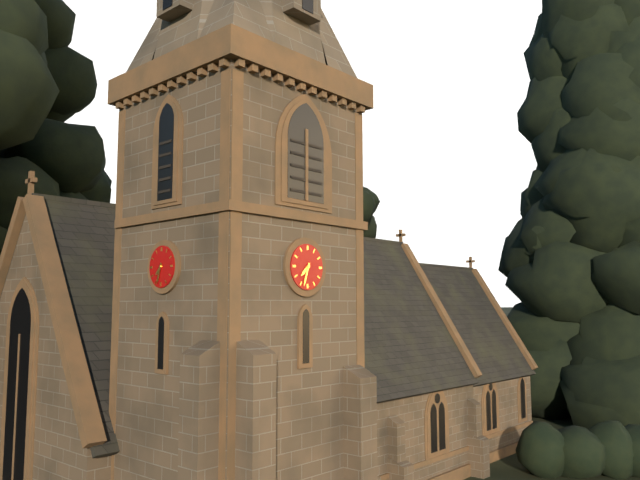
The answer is 7.33
